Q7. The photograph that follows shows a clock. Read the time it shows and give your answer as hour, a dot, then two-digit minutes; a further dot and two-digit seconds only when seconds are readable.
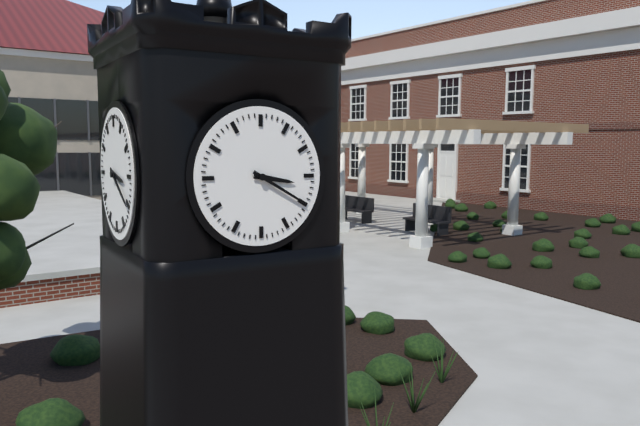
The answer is 3.20
